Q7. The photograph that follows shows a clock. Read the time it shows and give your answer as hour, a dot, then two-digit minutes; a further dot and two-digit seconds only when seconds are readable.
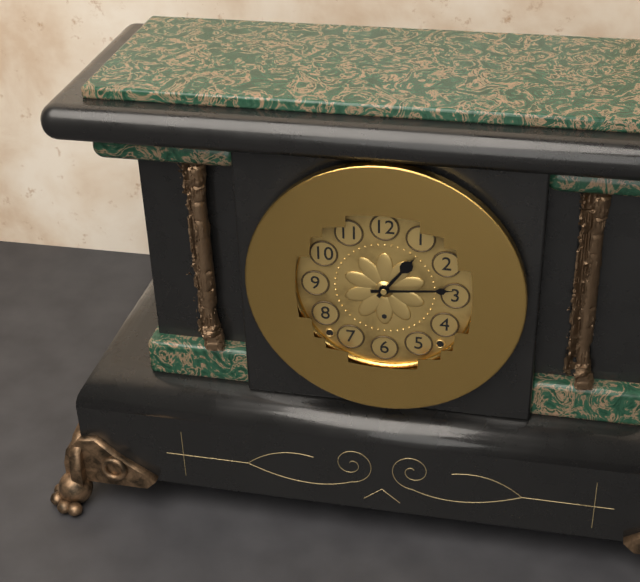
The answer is 1.14
